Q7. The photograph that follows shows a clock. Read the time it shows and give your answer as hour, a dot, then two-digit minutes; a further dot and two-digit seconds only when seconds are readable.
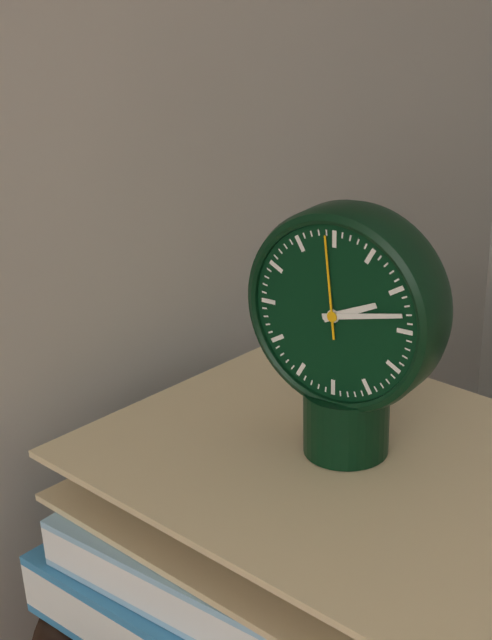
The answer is 2.13.59
